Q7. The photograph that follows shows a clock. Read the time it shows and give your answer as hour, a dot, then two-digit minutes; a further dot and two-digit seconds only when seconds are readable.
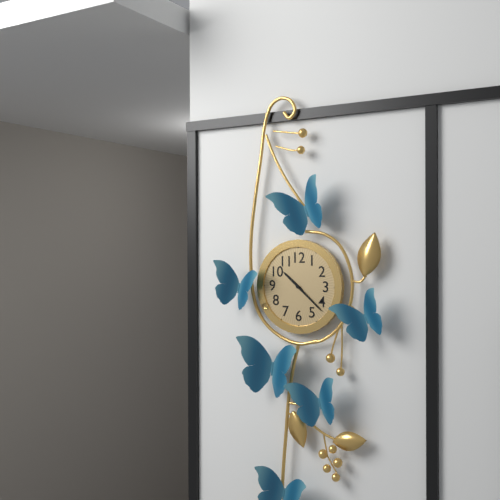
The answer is 10.22
